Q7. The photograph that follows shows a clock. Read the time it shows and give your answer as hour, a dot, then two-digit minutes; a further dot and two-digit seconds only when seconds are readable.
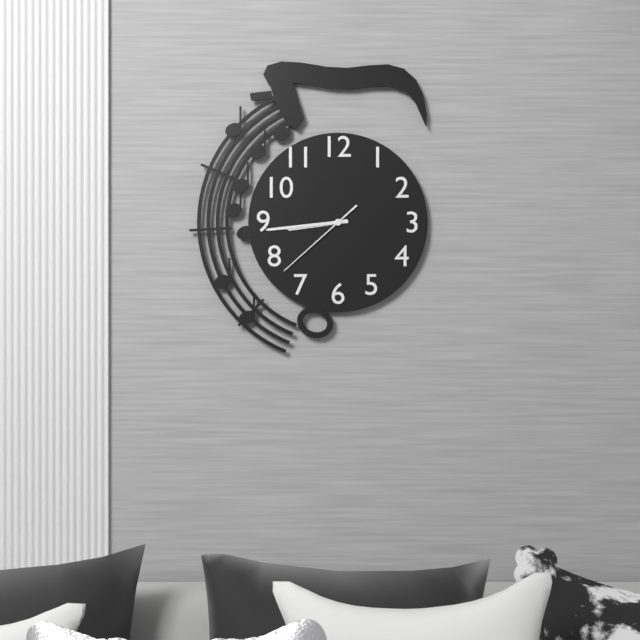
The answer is 8.44.38
